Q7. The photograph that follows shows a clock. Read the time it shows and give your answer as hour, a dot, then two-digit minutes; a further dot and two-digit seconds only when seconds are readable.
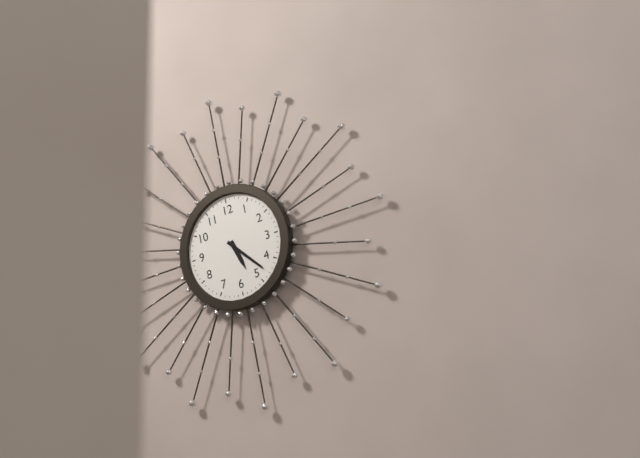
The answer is 5.23
